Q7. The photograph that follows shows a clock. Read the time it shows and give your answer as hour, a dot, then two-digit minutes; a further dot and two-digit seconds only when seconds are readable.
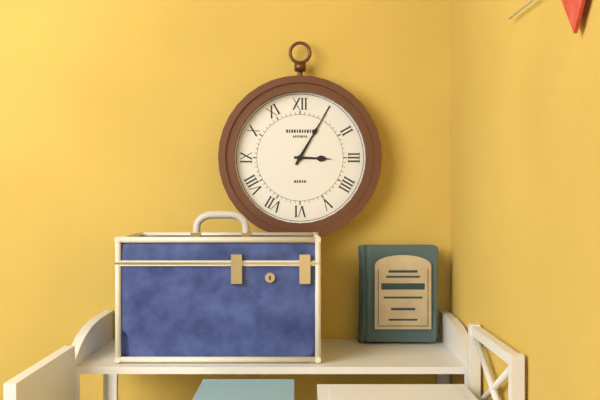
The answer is 3.05
